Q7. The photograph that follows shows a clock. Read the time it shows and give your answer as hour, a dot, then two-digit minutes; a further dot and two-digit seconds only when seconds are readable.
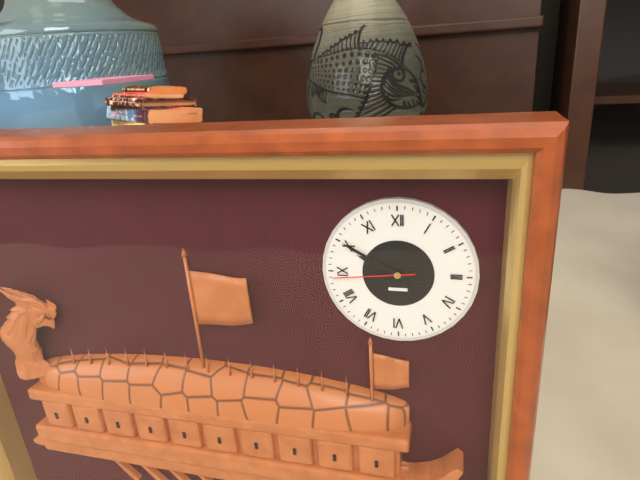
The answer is 9.50.44
